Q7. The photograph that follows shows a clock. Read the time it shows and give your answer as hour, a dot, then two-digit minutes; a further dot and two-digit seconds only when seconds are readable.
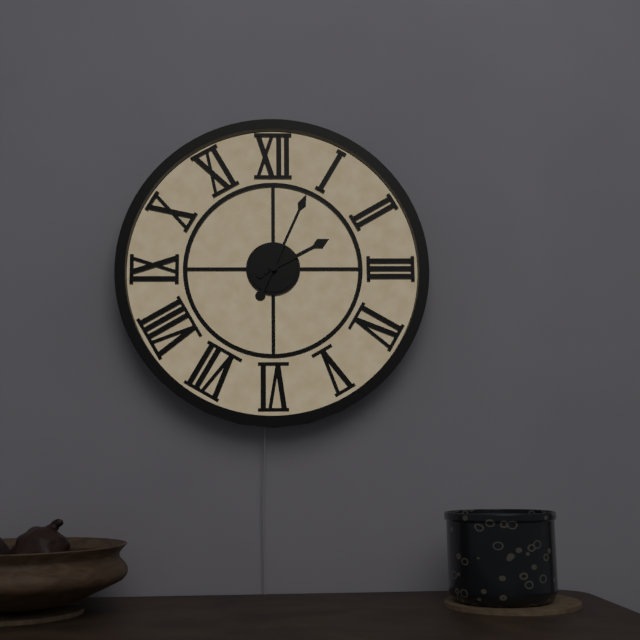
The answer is 2.04
